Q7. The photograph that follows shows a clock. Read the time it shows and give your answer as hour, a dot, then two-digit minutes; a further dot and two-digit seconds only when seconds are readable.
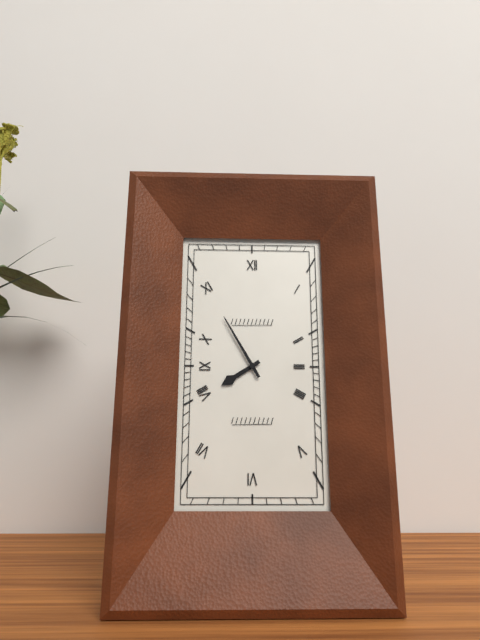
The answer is 7.55
